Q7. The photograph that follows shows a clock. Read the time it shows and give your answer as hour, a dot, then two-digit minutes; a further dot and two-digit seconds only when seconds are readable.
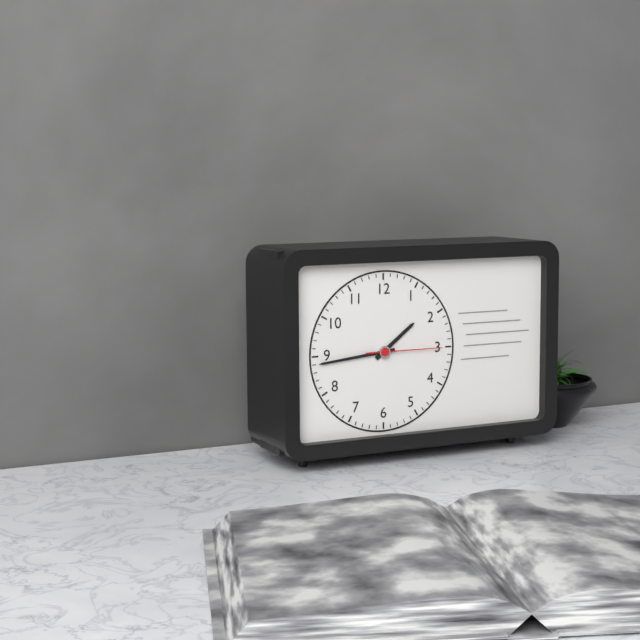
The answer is 1.44.15
